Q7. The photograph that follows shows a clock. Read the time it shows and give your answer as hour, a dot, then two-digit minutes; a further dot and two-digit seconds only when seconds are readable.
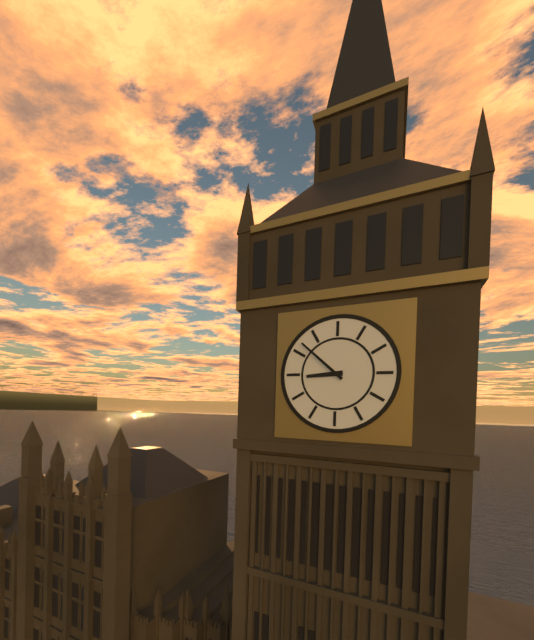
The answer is 8.52
